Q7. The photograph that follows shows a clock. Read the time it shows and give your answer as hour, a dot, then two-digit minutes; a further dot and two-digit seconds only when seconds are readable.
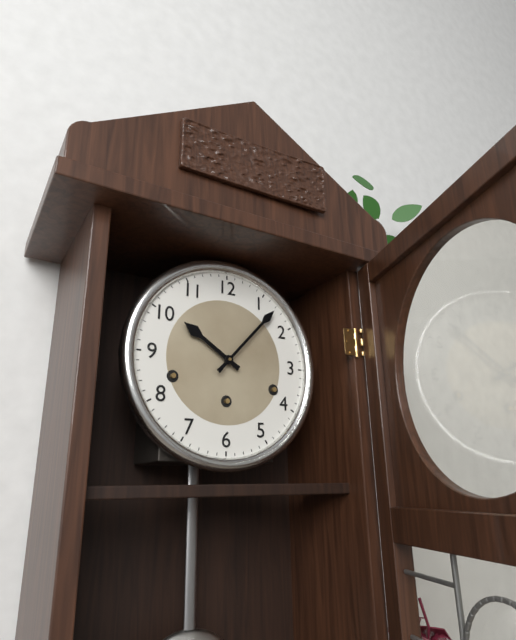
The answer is 10.07
